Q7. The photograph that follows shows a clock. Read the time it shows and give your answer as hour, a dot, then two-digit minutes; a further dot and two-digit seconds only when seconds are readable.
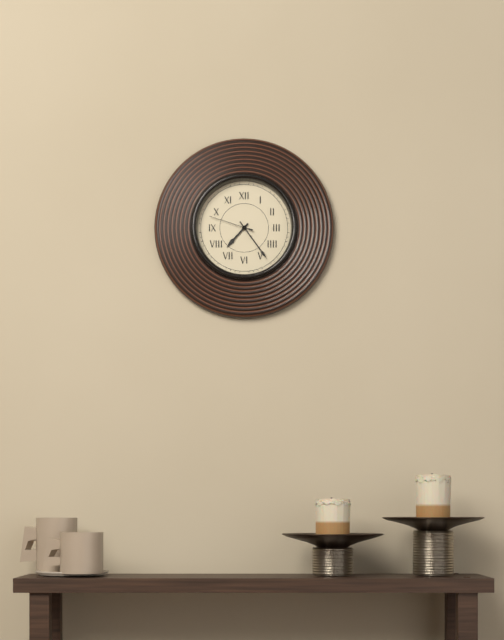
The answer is 7.24
